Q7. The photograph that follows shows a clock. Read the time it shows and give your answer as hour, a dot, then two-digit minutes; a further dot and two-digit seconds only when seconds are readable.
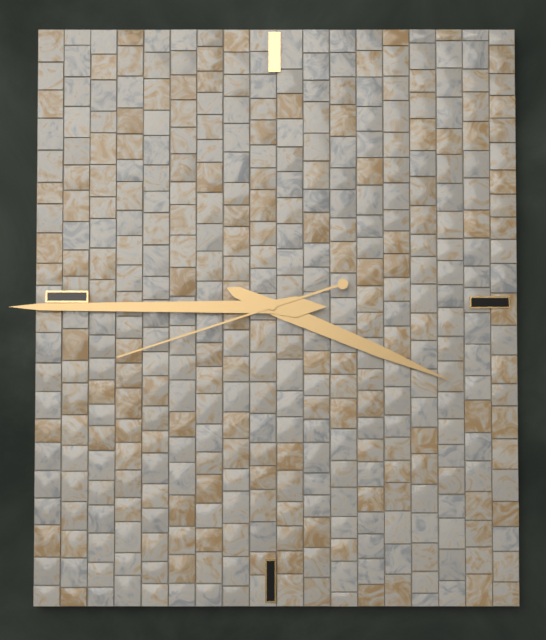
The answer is 3.45.42
